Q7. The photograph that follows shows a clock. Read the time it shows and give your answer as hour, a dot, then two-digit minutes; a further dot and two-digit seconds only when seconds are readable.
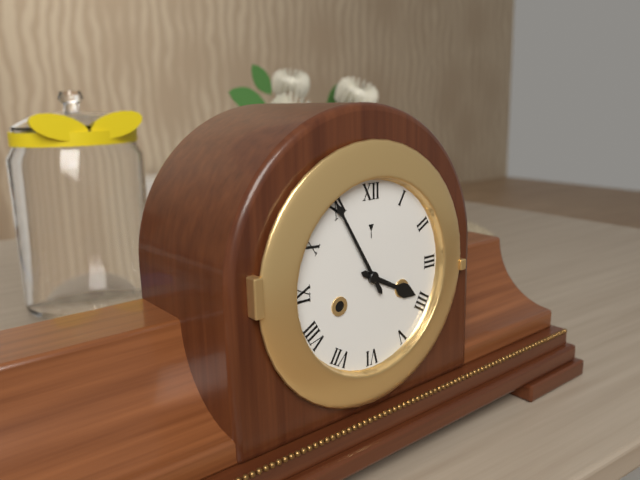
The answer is 3.55
